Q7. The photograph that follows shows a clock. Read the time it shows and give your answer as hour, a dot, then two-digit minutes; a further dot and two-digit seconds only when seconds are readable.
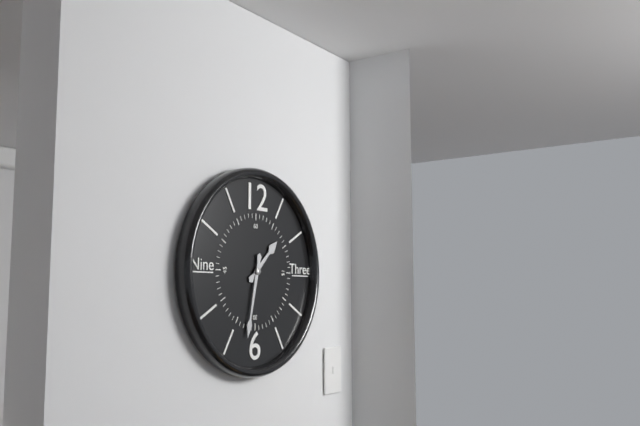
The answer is 1.32
